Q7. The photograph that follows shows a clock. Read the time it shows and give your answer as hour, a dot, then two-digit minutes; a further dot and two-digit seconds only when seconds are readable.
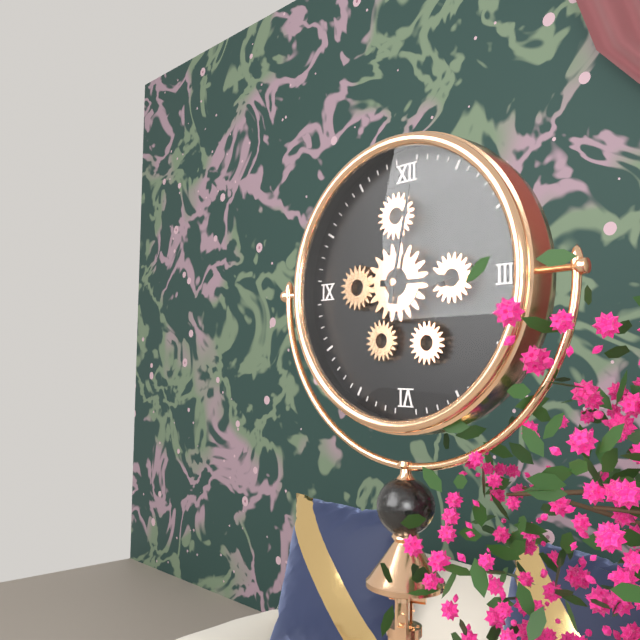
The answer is 3.02
